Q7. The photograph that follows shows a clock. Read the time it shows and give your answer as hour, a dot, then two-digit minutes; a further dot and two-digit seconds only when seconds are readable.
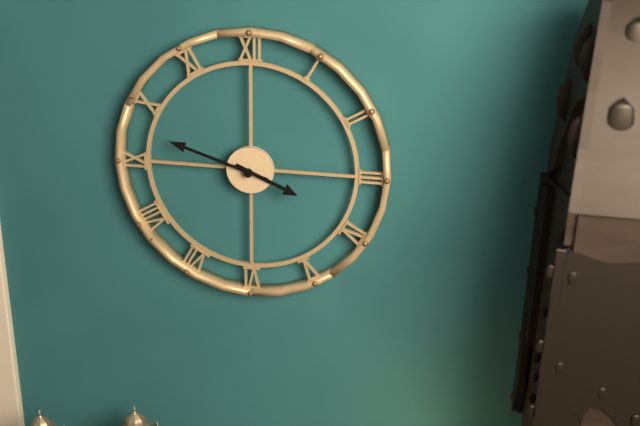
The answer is 3.48
